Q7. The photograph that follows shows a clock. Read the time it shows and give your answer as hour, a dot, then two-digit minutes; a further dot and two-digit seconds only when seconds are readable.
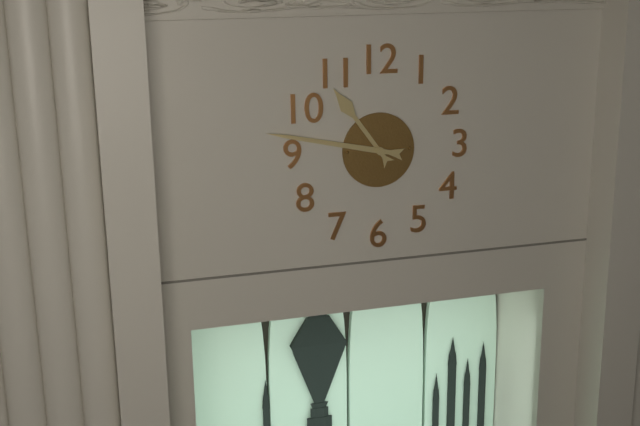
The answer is 10.47
